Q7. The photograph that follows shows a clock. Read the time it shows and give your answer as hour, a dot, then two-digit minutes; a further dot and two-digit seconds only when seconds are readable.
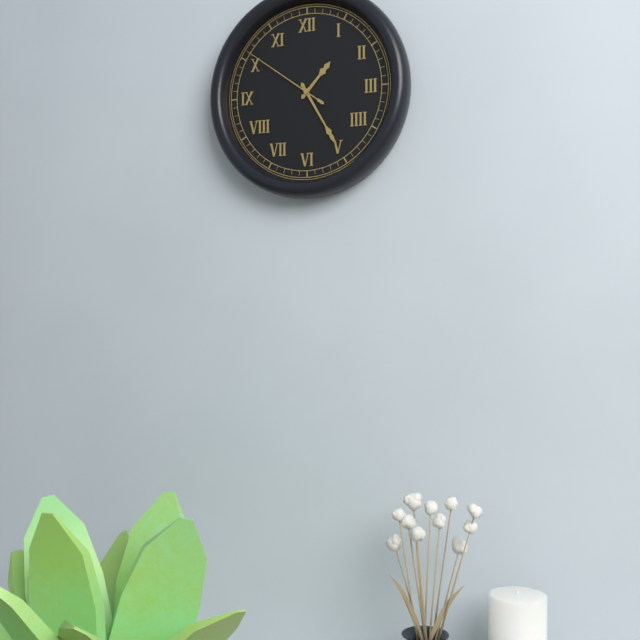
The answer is 1.25.51
